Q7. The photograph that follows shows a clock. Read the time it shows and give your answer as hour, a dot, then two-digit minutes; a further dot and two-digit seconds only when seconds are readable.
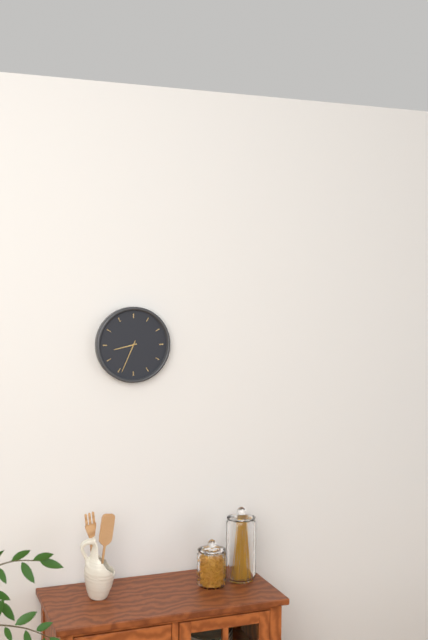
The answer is 8.34
